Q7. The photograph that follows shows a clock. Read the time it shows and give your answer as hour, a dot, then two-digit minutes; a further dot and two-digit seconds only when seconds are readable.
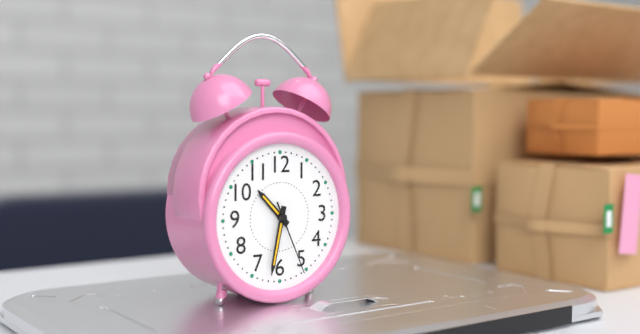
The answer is 10.32.26
